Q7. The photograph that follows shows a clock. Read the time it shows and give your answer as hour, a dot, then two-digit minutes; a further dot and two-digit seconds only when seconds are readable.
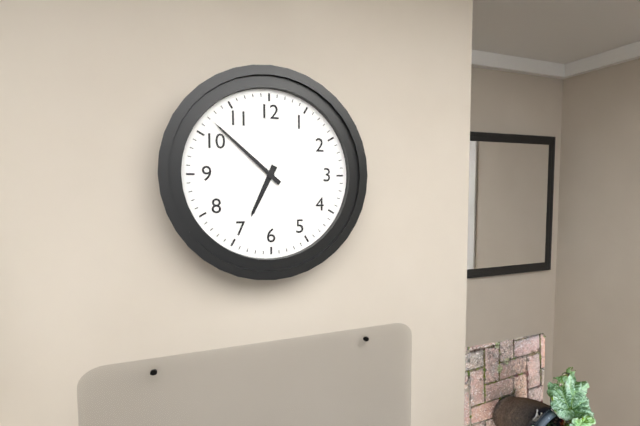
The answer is 6.52
